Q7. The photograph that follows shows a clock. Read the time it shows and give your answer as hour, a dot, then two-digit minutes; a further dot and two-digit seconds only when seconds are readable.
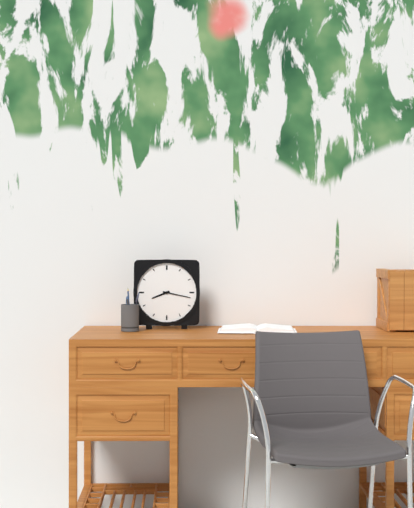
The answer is 8.17
